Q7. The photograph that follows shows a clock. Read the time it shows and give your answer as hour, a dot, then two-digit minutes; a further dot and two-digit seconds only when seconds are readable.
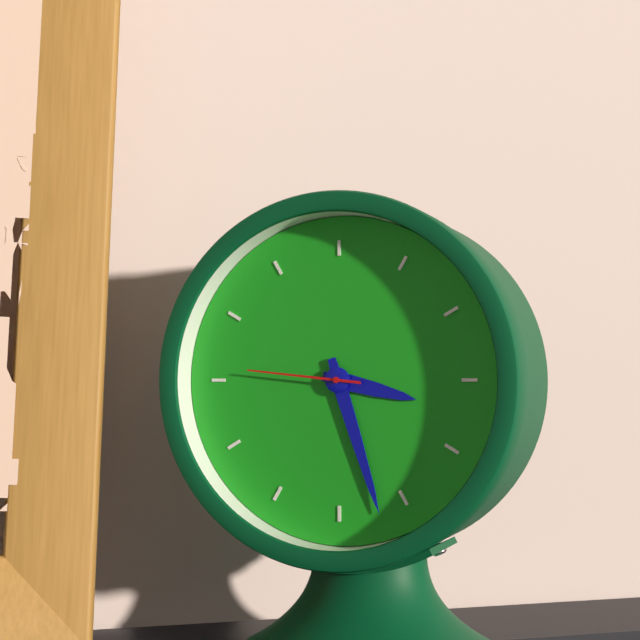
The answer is 3.27.46
